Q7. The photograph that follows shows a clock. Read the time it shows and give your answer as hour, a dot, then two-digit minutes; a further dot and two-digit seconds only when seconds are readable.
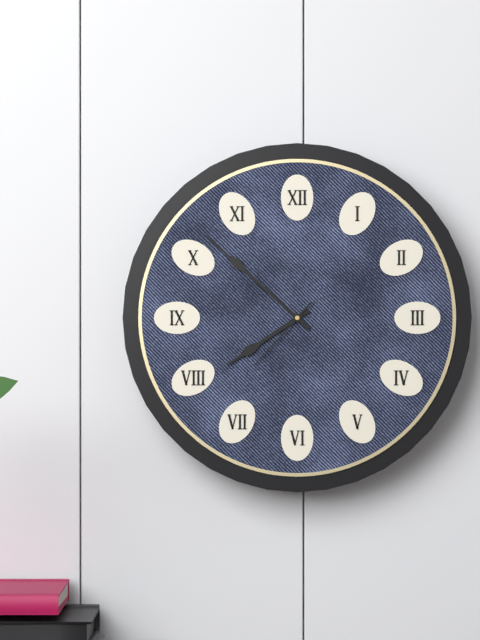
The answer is 7.52.37
